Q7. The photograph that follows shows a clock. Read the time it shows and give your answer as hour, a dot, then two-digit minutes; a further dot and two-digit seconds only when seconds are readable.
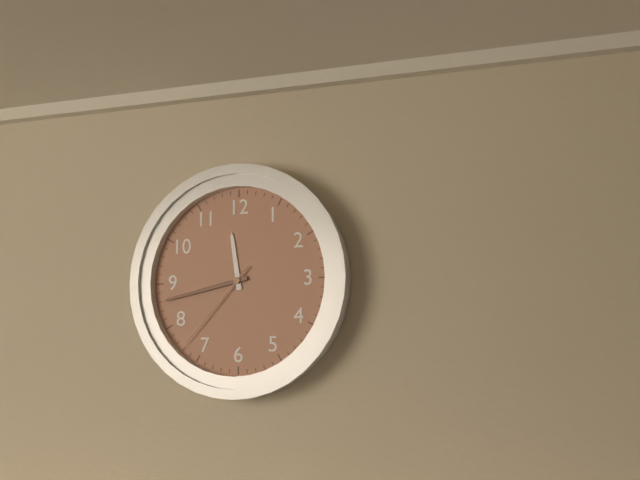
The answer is 11.43.37
